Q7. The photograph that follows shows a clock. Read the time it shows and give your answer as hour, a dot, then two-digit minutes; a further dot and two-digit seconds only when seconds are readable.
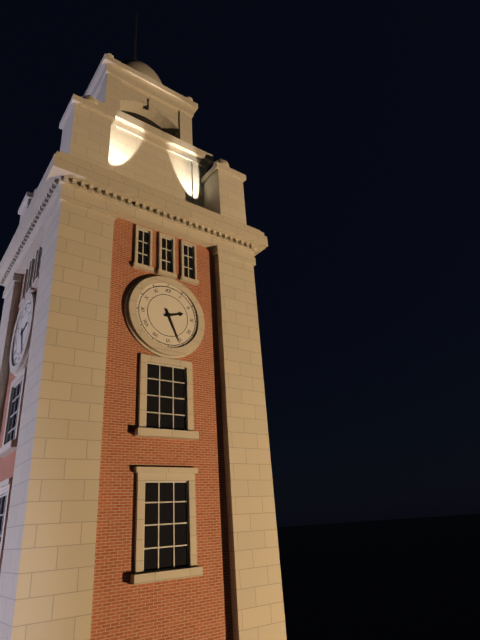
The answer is 2.26
